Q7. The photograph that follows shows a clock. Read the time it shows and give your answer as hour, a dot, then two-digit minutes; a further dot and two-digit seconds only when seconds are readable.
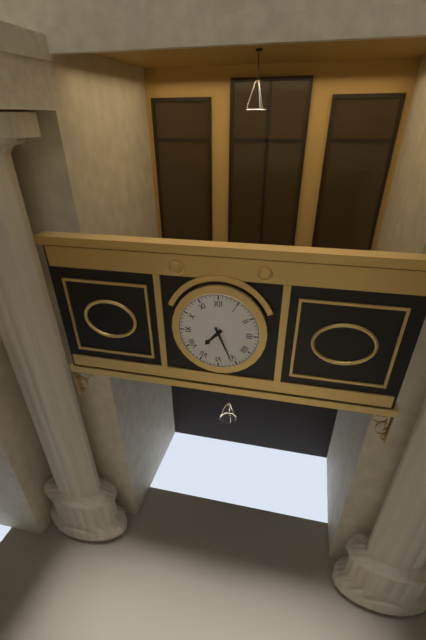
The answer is 7.26
